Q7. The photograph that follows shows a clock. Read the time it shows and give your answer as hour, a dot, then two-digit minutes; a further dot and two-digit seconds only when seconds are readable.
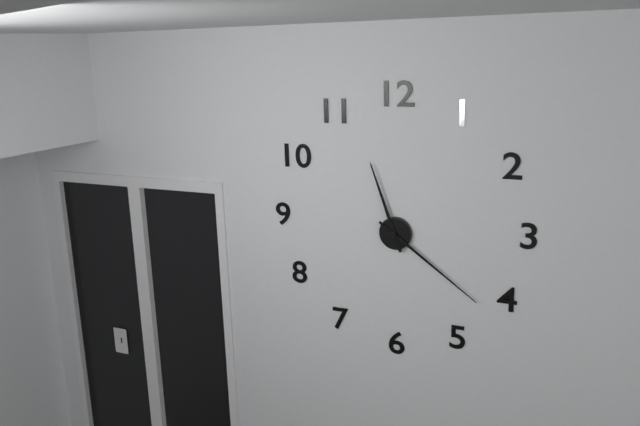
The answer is 11.21
